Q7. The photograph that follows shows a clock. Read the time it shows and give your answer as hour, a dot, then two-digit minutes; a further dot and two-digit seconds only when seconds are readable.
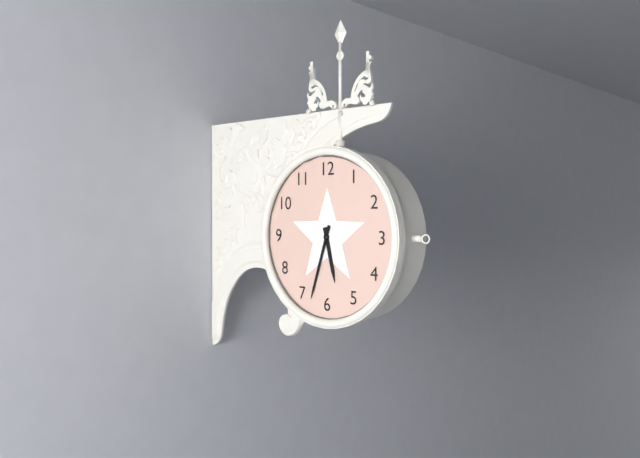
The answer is 5.33
